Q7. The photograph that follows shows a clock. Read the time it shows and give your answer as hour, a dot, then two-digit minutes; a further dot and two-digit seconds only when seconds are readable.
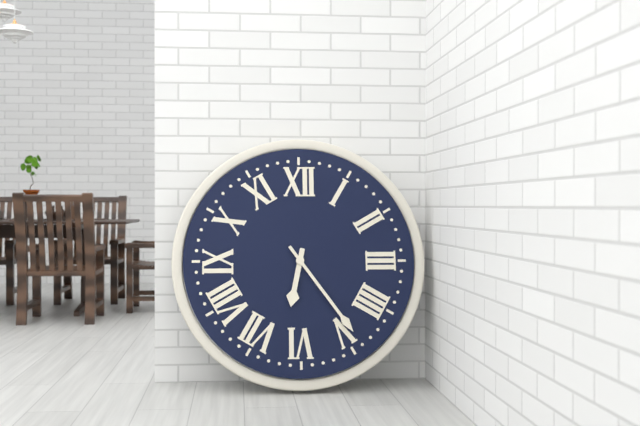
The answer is 6.24
